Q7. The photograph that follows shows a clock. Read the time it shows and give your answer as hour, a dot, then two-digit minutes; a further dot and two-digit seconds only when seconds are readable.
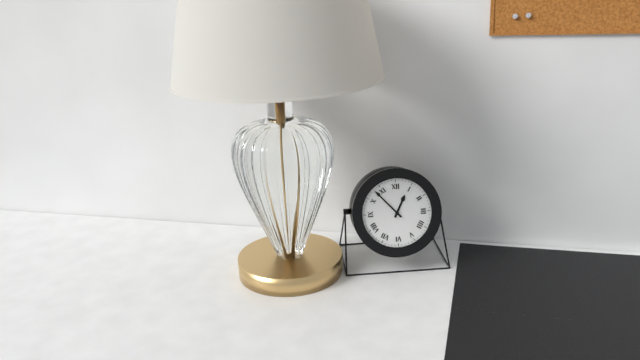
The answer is 12.53
